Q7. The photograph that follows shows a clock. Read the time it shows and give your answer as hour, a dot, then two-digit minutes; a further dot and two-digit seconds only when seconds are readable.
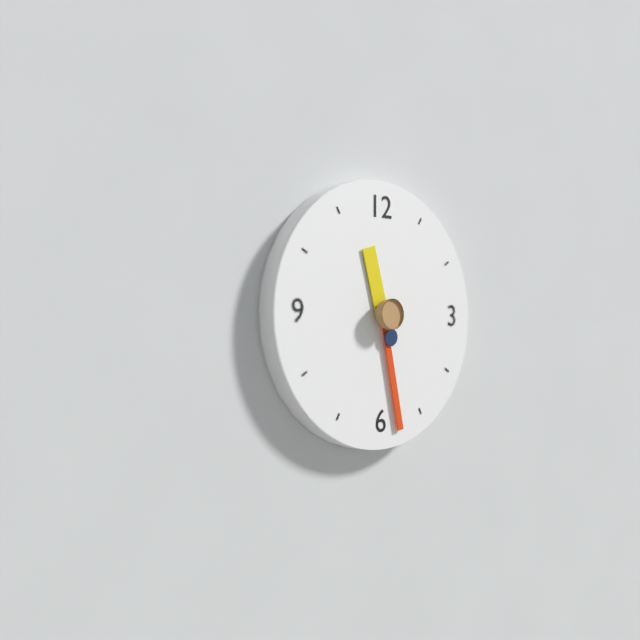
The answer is 11.28
